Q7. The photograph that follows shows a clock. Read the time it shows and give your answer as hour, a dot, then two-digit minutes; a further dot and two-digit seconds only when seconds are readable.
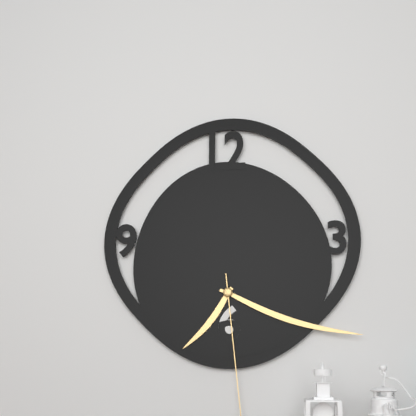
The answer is 7.18
